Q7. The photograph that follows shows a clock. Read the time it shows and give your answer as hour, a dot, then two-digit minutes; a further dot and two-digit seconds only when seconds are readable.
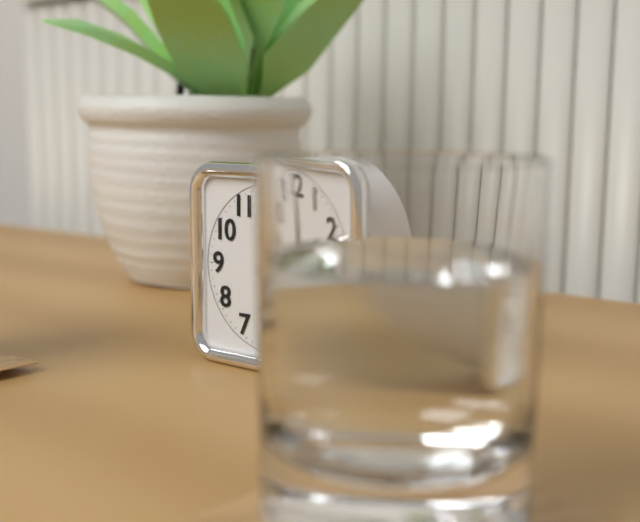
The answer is 2.00.14
